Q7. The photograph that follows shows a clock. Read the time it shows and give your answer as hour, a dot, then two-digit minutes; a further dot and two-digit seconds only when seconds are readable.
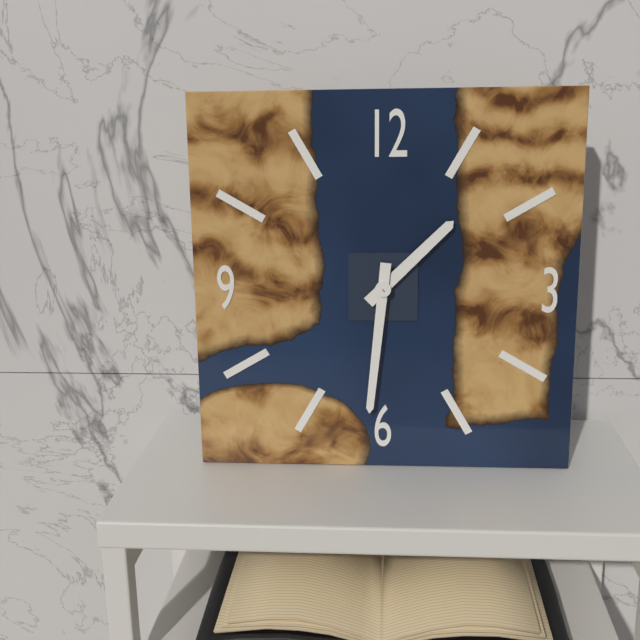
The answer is 1.31
